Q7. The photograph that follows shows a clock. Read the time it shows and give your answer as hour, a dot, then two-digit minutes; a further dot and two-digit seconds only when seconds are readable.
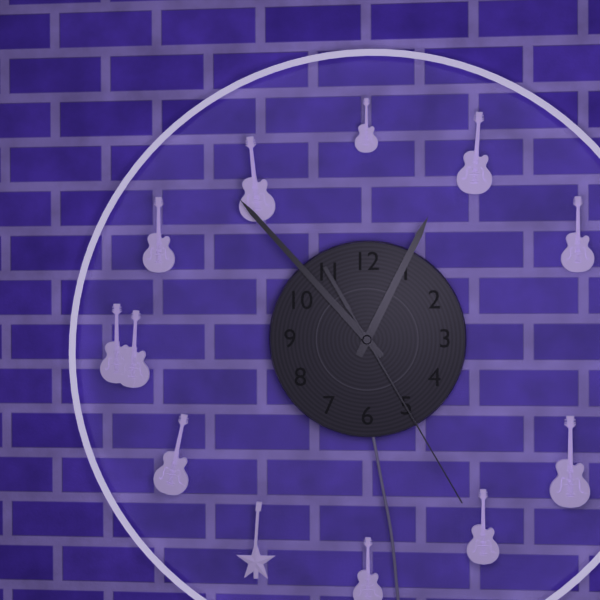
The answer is 12.53.25
